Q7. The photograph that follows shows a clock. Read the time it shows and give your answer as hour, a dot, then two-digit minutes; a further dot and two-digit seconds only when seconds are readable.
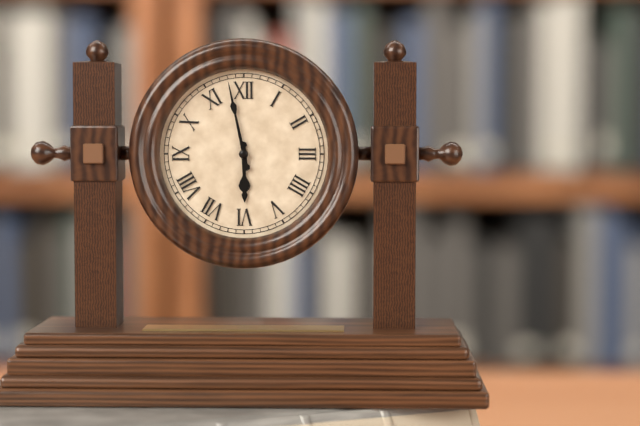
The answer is 5.58
